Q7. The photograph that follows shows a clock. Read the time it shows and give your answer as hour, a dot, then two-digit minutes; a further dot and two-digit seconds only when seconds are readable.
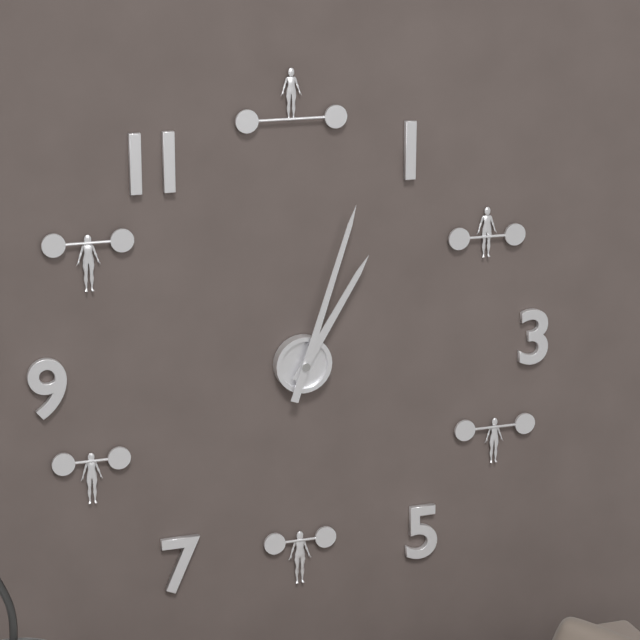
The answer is 1.03
